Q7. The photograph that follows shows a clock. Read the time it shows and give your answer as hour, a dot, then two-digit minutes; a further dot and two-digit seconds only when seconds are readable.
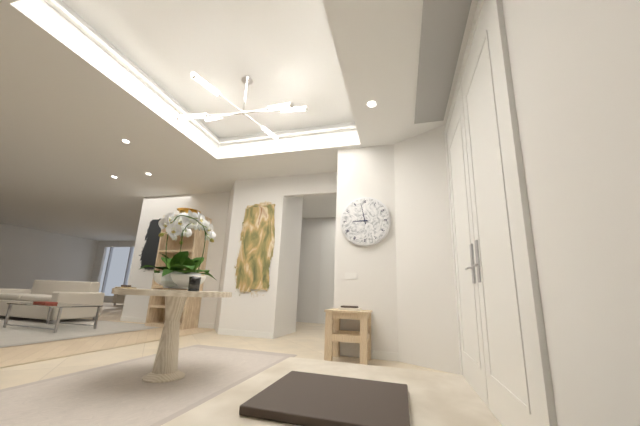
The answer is 8.58
